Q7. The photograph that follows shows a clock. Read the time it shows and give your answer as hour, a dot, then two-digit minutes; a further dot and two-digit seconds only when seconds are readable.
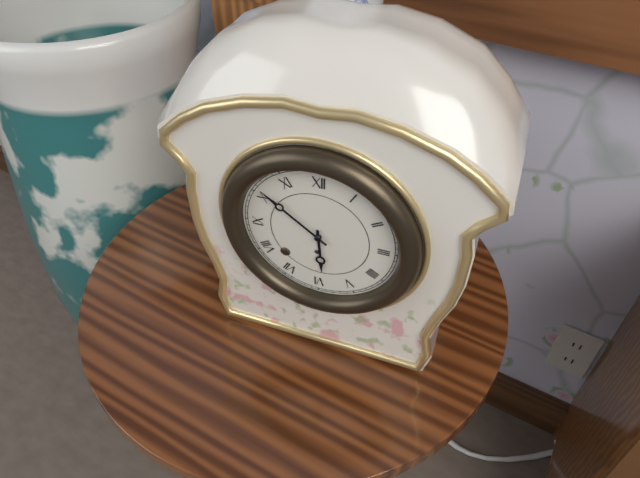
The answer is 5.51
